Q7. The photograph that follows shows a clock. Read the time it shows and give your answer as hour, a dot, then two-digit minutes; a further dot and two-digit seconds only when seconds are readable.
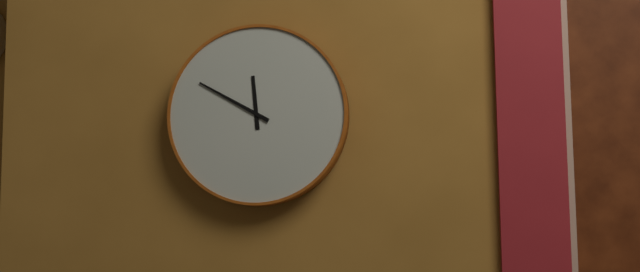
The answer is 11.50
